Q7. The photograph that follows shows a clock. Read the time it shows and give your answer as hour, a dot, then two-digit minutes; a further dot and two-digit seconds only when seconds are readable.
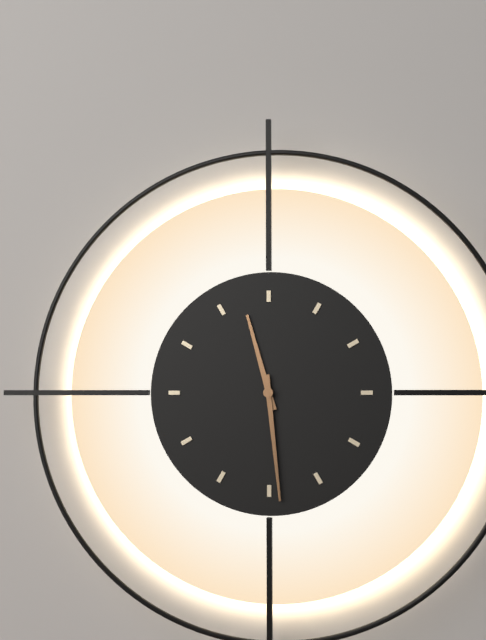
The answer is 11.29
